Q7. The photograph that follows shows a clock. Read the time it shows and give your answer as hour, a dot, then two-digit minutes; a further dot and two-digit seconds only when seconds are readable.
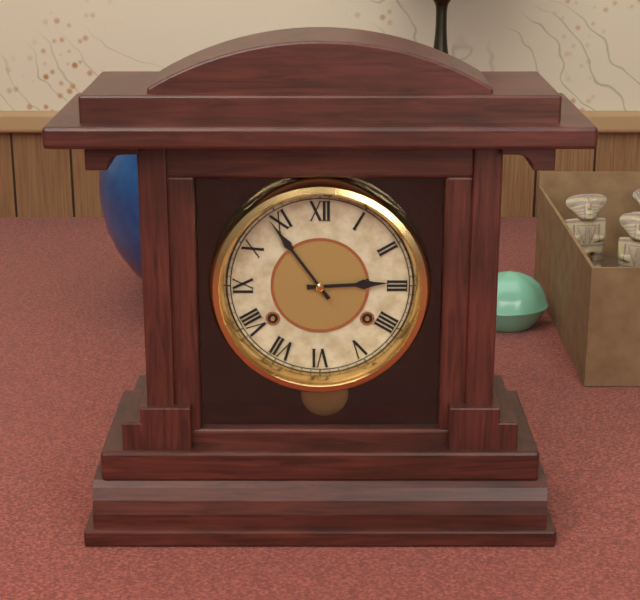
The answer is 2.54
